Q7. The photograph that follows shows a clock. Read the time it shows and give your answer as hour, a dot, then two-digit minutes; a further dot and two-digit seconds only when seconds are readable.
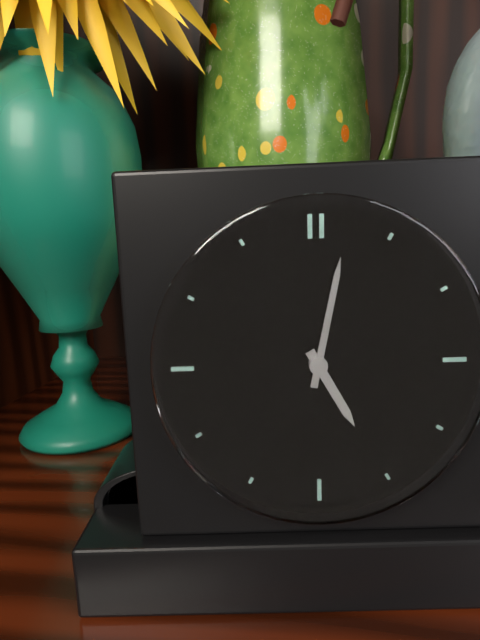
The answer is 5.02
